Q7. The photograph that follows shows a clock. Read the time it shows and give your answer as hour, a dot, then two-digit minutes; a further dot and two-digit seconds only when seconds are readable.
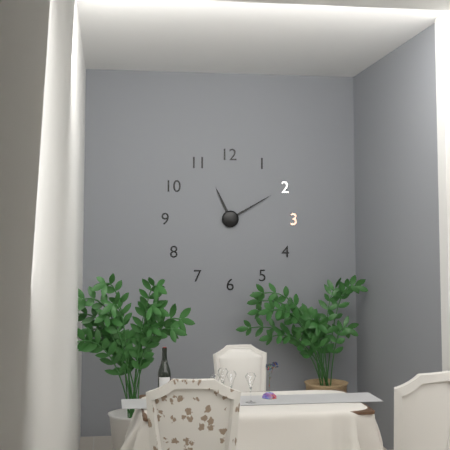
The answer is 11.10
